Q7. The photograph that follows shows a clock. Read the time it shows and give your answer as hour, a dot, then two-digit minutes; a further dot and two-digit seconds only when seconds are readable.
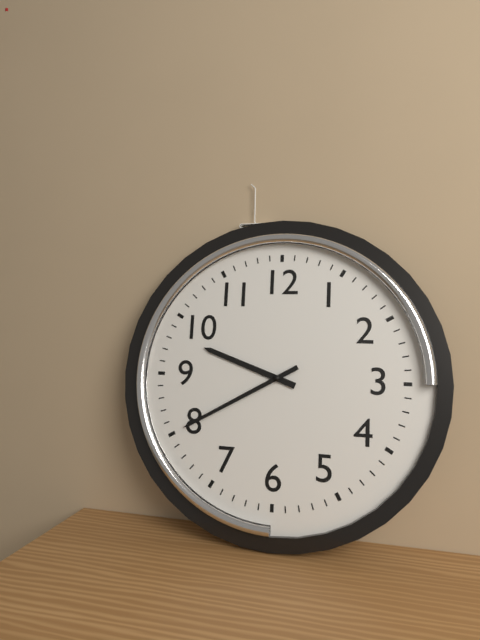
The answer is 9.40
